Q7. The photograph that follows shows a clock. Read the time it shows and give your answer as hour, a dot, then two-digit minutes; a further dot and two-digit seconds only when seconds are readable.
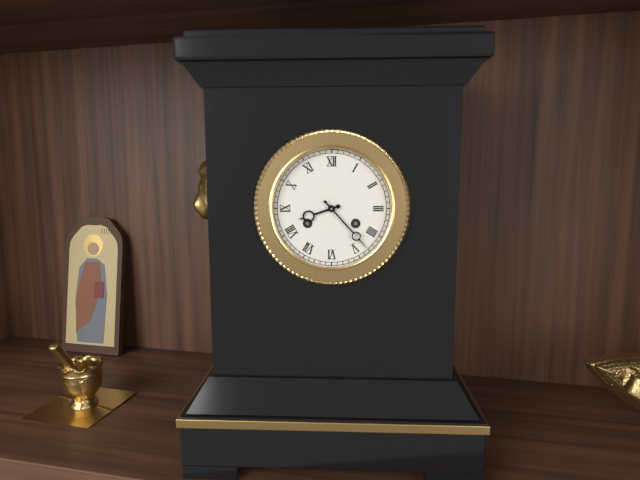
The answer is 8.23
